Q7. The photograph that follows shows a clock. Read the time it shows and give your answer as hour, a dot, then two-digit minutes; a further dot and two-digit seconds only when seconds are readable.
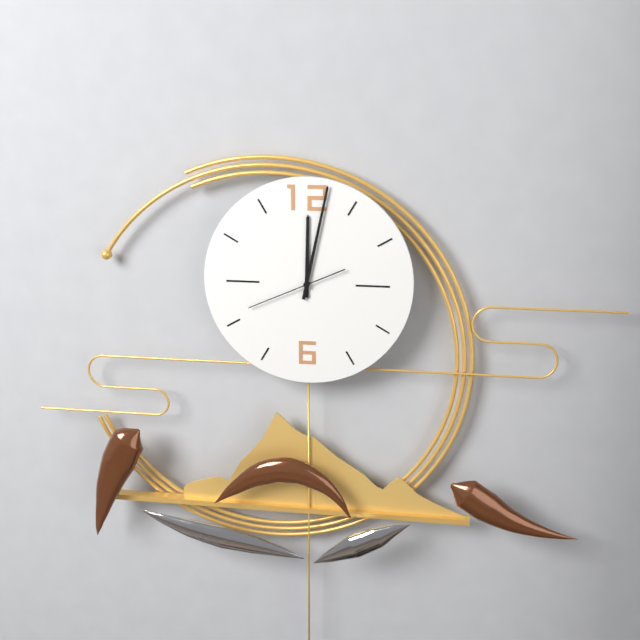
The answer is 12.02.41
